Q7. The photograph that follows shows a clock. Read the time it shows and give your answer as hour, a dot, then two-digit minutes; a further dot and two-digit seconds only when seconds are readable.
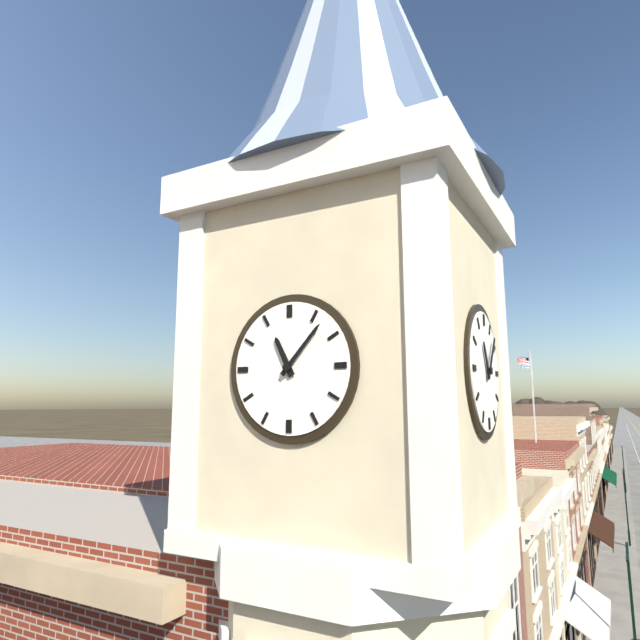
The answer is 11.07
